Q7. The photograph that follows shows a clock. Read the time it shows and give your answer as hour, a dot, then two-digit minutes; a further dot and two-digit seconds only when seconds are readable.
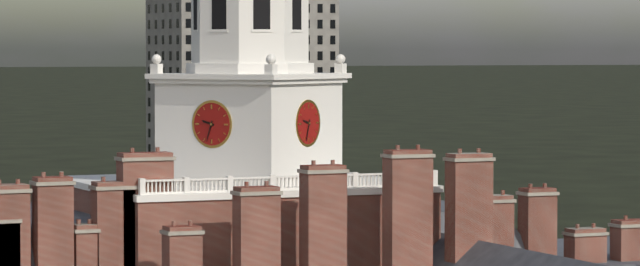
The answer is 9.33
